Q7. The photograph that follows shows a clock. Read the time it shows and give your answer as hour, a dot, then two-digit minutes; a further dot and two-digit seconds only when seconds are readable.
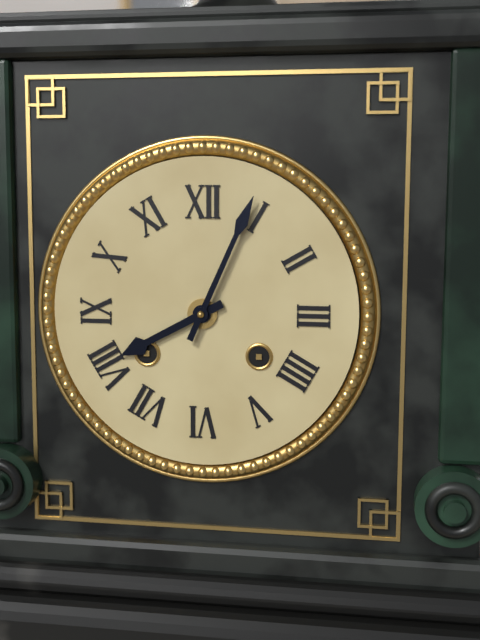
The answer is 8.04
